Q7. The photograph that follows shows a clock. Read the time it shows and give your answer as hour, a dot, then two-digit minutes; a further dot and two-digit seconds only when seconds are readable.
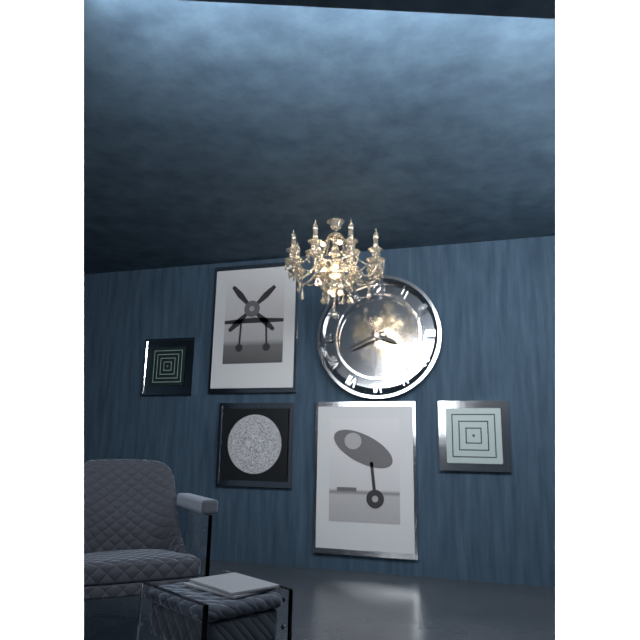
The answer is 3.41
